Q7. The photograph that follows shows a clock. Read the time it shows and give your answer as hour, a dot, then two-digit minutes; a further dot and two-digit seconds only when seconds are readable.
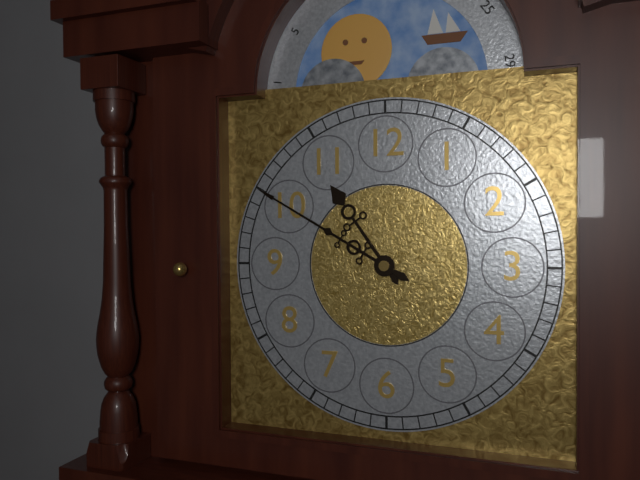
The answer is 10.50
